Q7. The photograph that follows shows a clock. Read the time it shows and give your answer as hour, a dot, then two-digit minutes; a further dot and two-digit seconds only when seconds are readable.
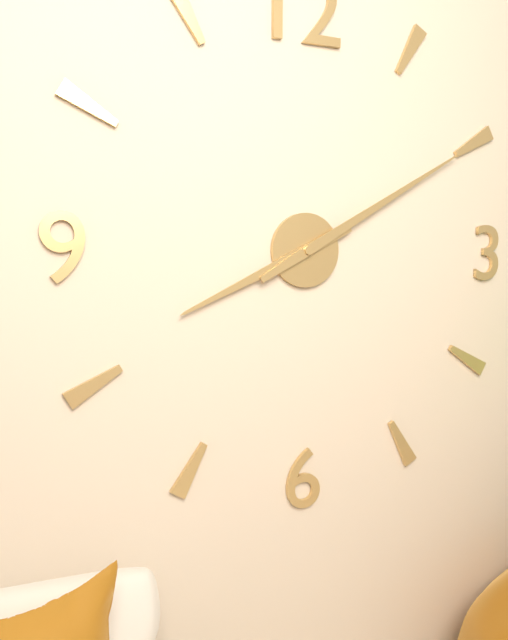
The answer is 8.10
